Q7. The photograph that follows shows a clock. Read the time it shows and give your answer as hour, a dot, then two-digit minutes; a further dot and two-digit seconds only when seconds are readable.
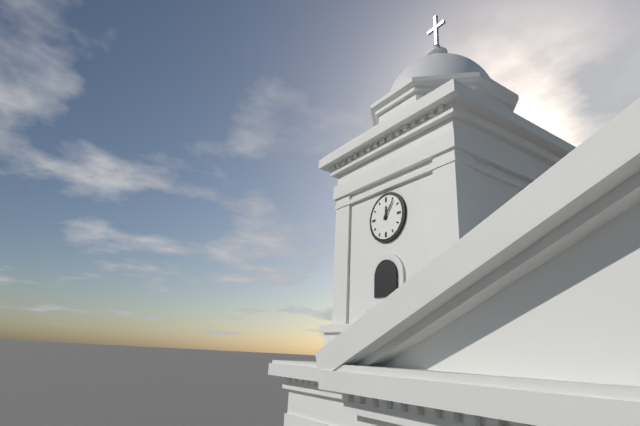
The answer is 12.06
